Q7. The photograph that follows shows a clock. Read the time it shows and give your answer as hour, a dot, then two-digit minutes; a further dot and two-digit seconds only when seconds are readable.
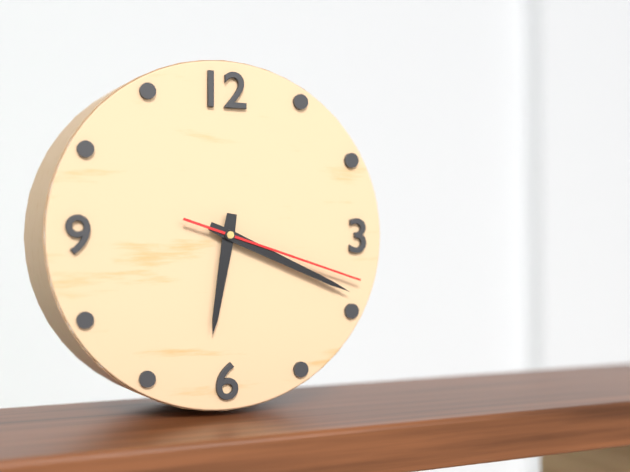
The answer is 6.19.18
